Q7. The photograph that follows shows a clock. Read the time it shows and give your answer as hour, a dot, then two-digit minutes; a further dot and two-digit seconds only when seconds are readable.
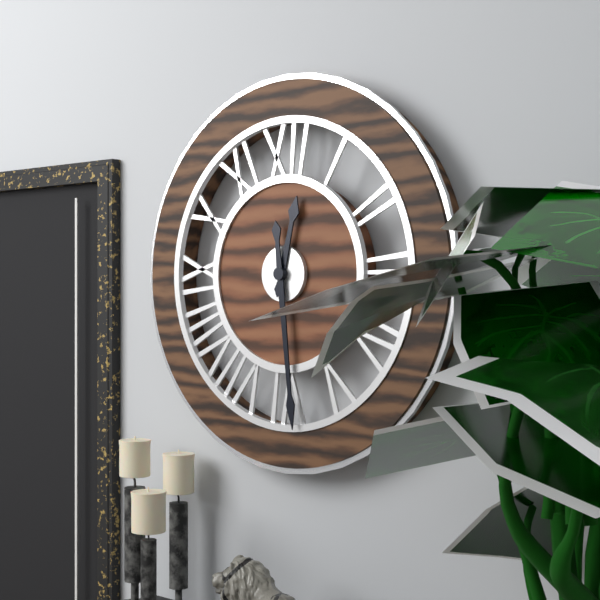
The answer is 12.29
